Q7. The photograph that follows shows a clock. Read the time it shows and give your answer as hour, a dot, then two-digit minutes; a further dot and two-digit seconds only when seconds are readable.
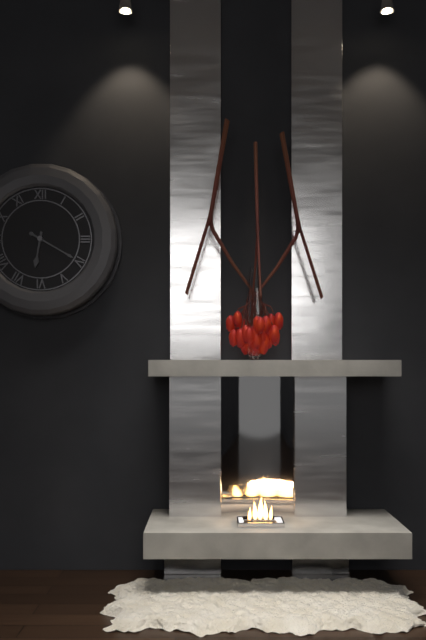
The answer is 6.20
